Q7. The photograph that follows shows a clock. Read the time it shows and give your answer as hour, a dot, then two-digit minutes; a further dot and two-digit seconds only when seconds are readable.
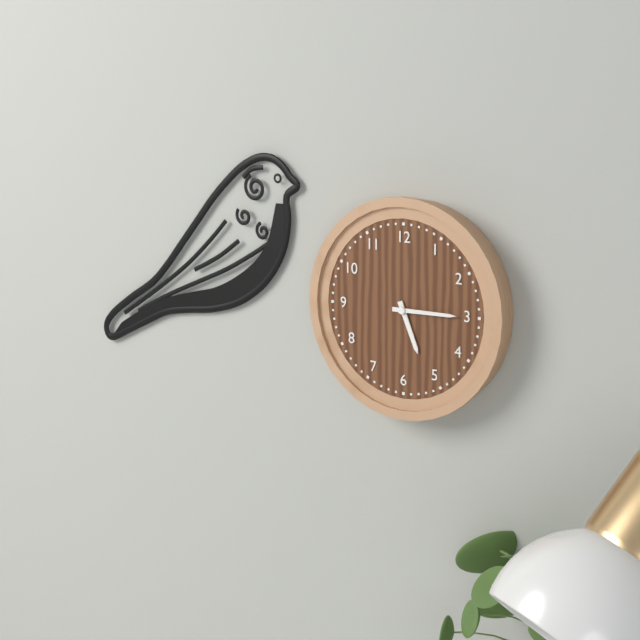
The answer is 5.15
